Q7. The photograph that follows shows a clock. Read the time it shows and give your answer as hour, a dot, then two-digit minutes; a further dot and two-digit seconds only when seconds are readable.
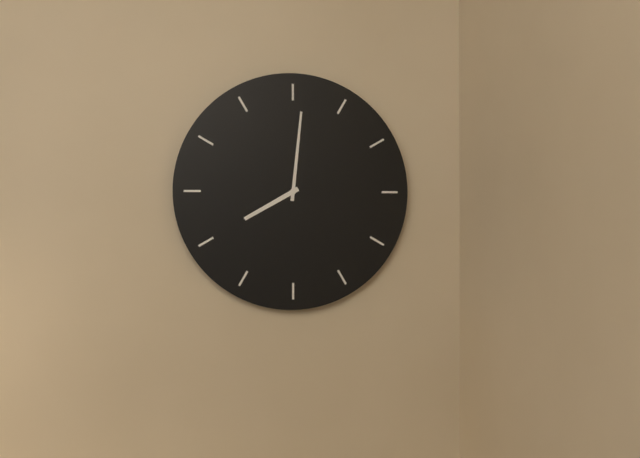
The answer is 8.01
